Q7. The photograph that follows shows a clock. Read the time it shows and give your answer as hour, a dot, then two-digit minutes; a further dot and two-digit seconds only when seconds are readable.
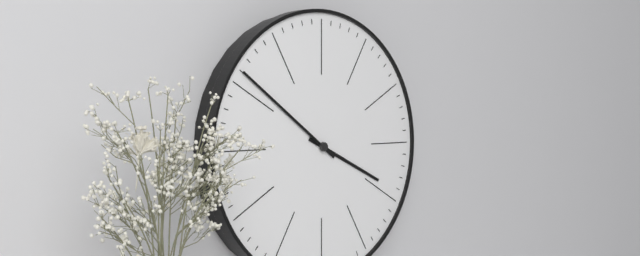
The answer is 3.51
